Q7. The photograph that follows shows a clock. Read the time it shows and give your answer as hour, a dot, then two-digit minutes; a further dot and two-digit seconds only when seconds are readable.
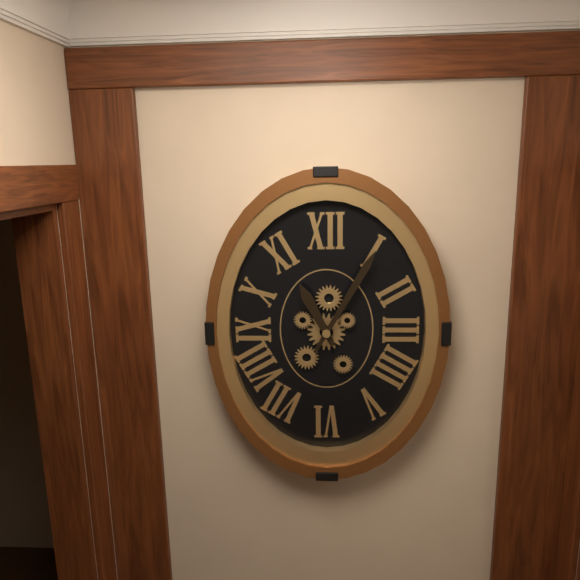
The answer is 11.05
